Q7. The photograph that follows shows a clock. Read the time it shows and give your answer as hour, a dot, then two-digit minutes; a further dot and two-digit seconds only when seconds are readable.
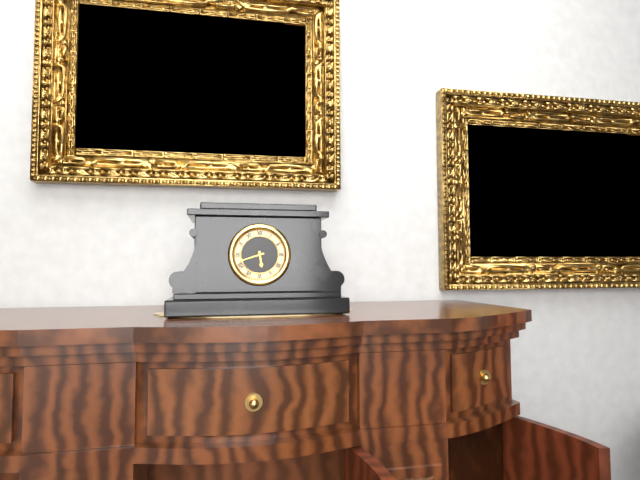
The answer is 5.42
